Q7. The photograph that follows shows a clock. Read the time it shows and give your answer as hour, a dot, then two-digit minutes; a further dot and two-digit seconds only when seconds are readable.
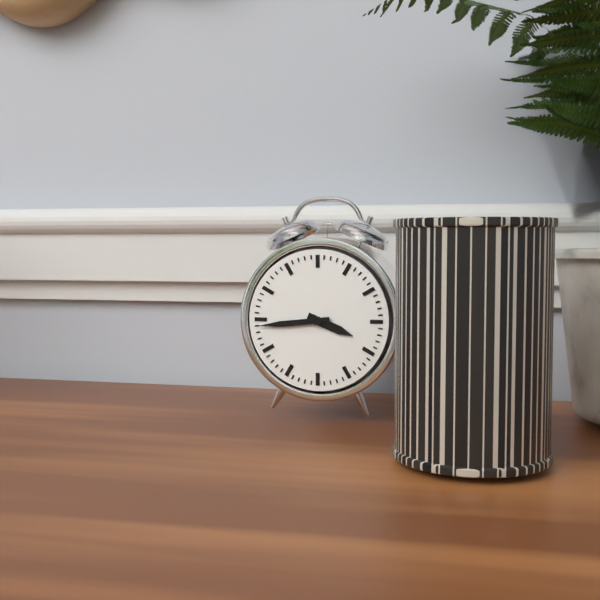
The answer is 3.44
